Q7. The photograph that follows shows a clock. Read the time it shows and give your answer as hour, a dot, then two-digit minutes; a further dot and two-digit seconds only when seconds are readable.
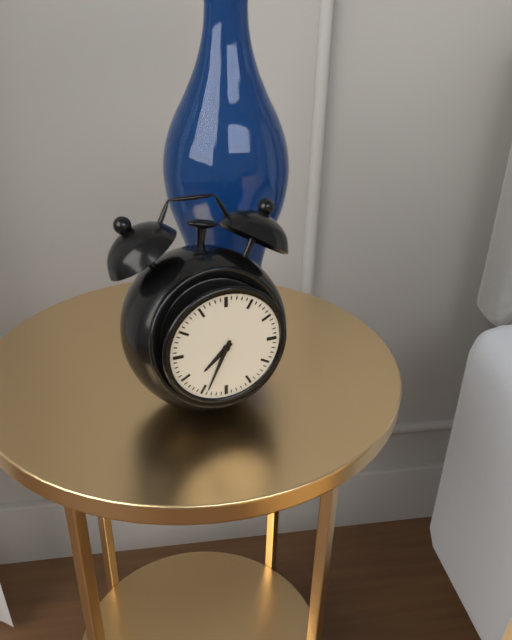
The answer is 7.34
